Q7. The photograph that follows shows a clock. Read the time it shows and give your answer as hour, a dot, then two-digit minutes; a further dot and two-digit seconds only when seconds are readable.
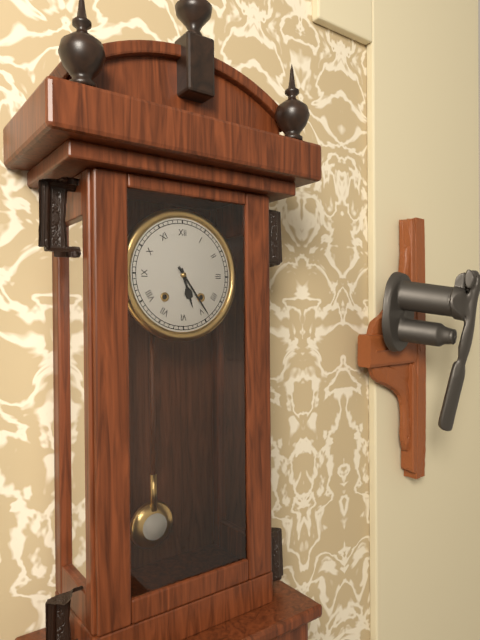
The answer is 5.24
